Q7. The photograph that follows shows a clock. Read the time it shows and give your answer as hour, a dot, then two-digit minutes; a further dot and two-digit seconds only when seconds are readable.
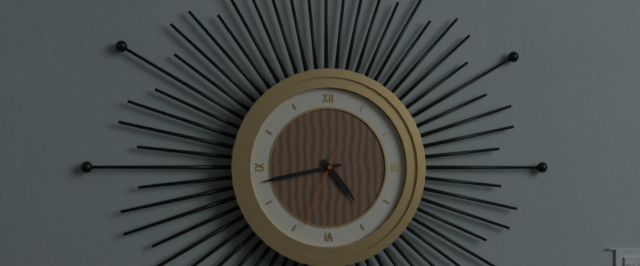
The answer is 4.43.34
